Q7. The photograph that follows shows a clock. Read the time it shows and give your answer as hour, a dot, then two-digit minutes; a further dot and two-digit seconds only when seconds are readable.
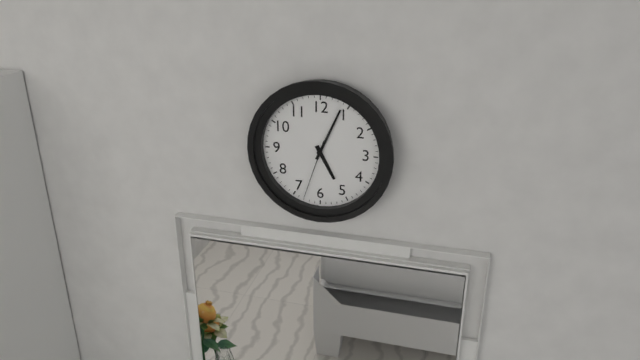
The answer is 5.04.33
